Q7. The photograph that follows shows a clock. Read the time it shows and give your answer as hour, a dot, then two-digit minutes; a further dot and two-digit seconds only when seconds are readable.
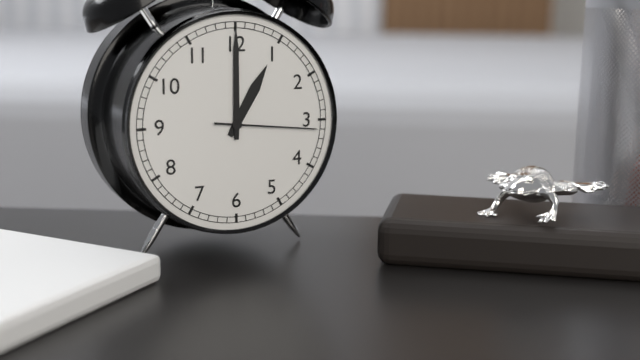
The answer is 1.00.16
